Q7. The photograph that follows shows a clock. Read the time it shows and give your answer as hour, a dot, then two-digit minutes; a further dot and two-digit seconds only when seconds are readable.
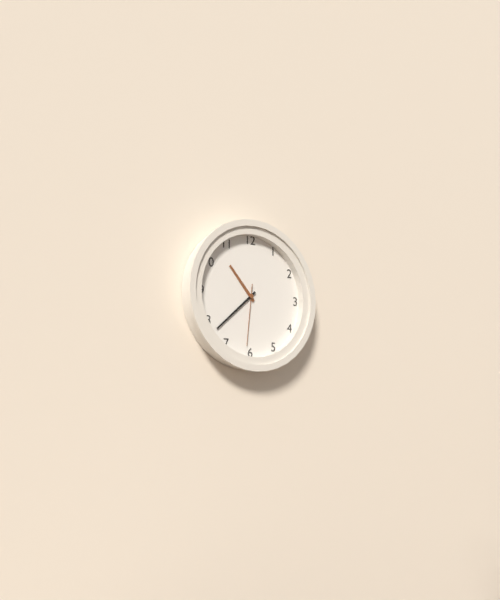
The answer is 10.38.31
